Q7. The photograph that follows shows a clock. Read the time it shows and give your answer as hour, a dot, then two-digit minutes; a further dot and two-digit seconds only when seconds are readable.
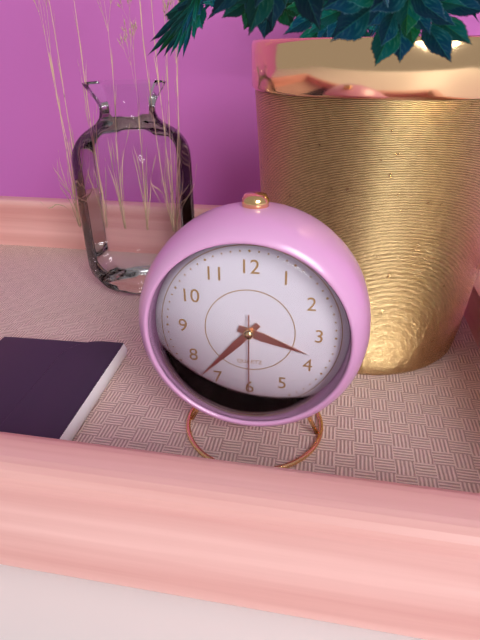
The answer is 3.37.30
